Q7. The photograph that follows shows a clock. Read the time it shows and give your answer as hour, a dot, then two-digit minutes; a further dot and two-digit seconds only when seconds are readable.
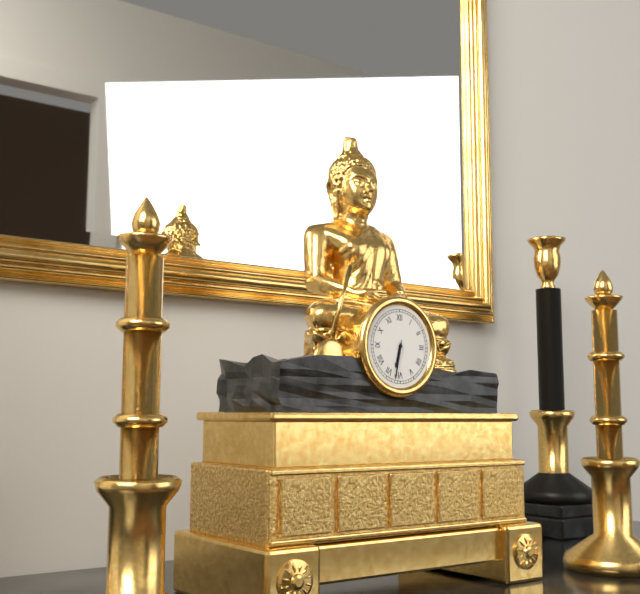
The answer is 6.32
